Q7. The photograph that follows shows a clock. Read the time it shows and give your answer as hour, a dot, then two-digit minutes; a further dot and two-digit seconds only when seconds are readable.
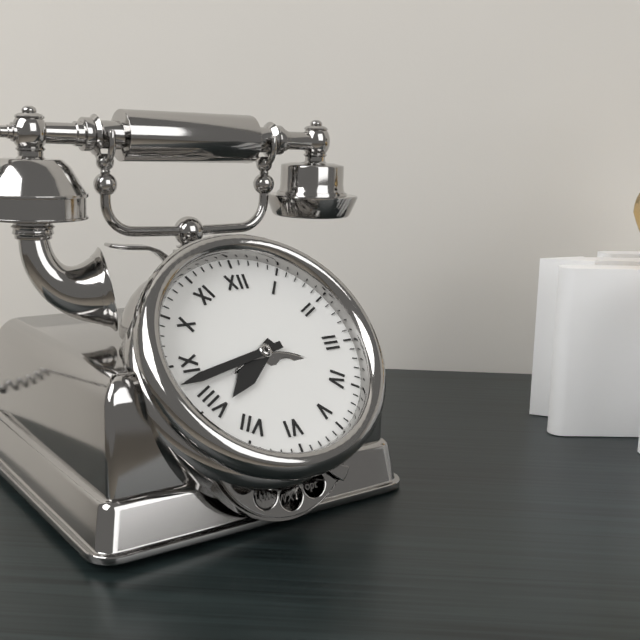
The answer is 7.43
